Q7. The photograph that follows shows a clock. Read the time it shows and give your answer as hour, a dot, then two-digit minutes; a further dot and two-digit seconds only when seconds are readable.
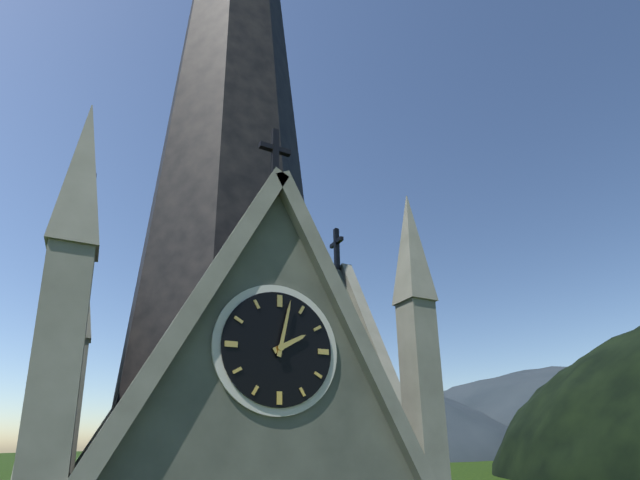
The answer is 2.02
